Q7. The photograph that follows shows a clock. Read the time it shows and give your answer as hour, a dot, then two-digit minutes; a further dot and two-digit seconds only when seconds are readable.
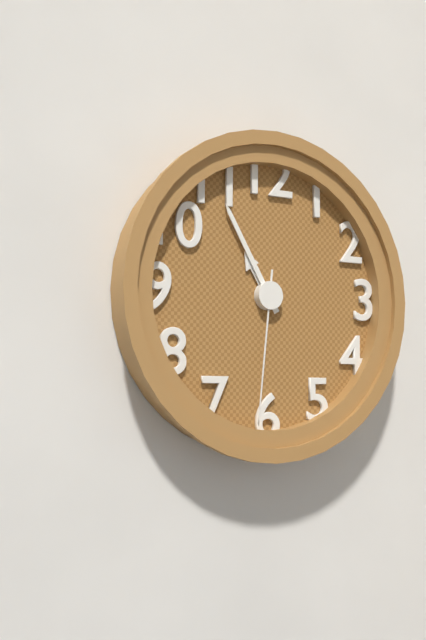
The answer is 10.55.31
